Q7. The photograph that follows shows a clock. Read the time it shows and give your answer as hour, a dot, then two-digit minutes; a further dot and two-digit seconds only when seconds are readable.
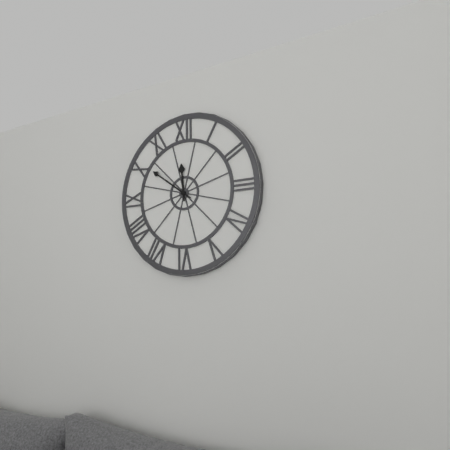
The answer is 11.51
